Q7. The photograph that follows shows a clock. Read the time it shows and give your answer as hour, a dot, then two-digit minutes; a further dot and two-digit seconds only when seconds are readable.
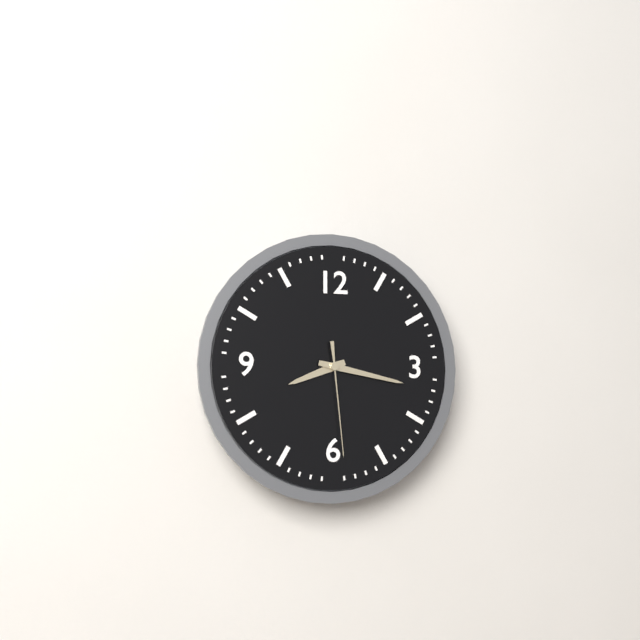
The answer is 8.17.29
